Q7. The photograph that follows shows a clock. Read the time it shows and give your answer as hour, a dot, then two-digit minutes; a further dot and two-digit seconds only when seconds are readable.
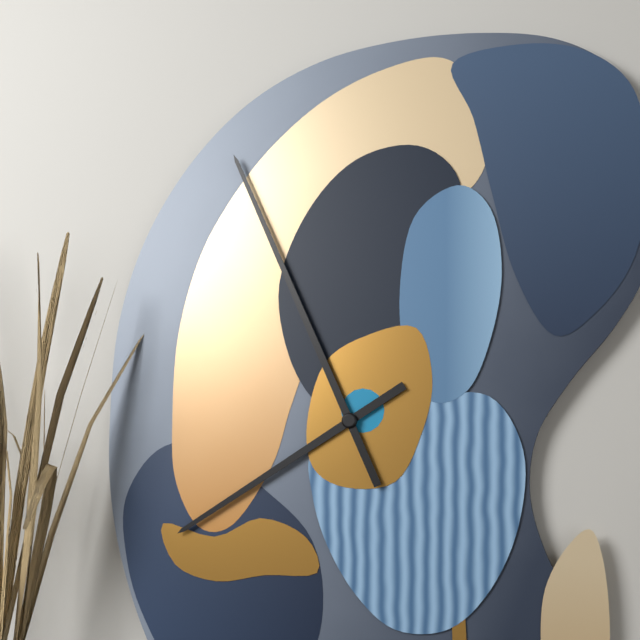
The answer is 7.56
